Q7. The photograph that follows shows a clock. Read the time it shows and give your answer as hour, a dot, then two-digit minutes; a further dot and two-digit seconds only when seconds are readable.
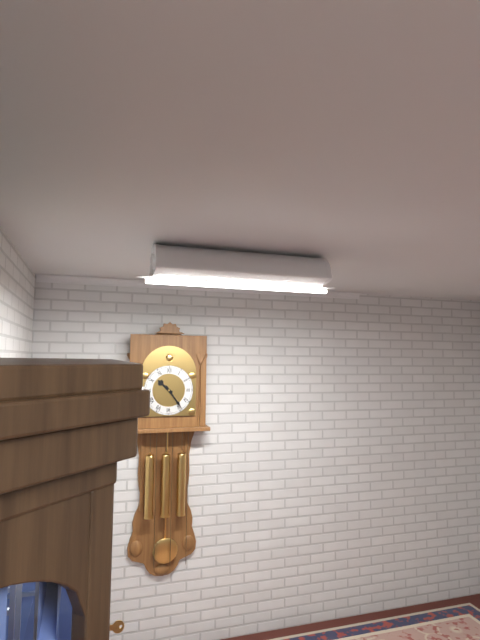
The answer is 10.24
